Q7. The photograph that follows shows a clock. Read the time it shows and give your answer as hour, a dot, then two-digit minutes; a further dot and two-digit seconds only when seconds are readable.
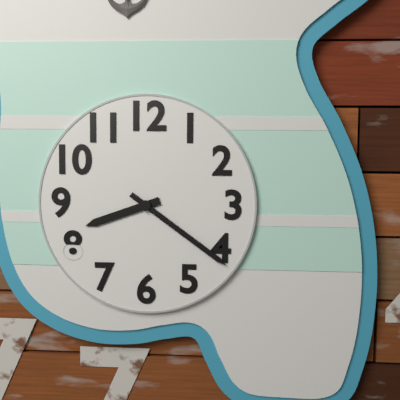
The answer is 8.21
